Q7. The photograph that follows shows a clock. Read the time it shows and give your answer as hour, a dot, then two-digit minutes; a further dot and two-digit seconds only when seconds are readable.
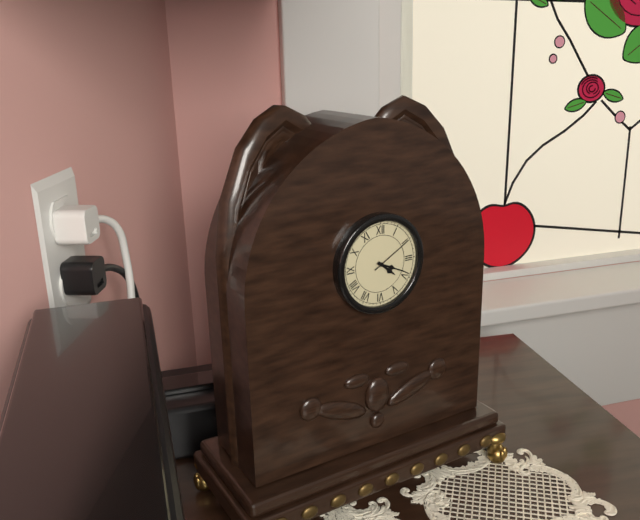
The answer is 4.19
